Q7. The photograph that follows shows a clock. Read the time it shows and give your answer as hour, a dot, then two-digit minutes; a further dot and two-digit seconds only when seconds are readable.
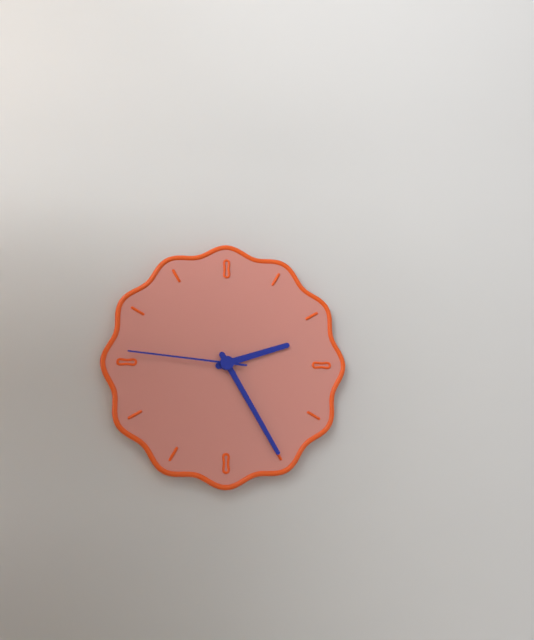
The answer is 2.25.46
